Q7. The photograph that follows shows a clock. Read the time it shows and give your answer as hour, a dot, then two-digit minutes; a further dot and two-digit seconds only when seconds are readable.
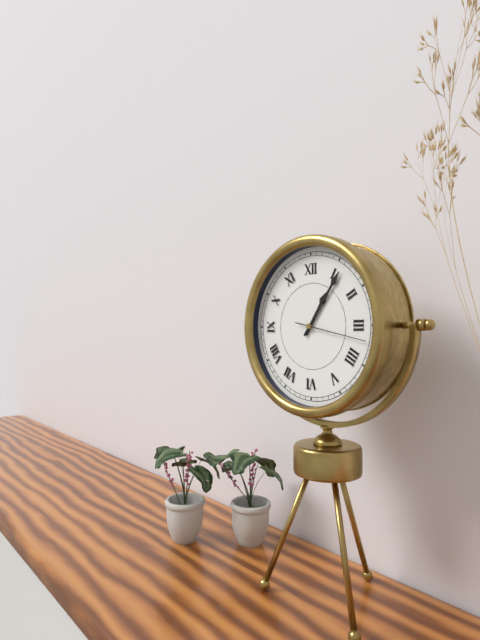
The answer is 1.06.17
